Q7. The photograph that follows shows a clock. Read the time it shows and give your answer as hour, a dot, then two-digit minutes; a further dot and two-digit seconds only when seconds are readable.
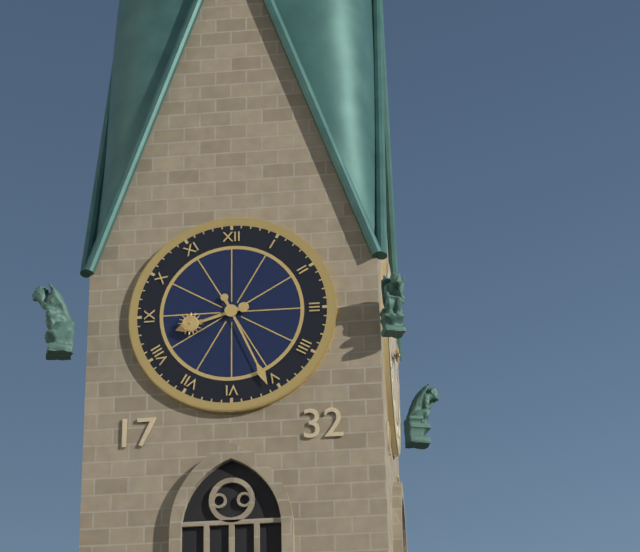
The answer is 8.26
